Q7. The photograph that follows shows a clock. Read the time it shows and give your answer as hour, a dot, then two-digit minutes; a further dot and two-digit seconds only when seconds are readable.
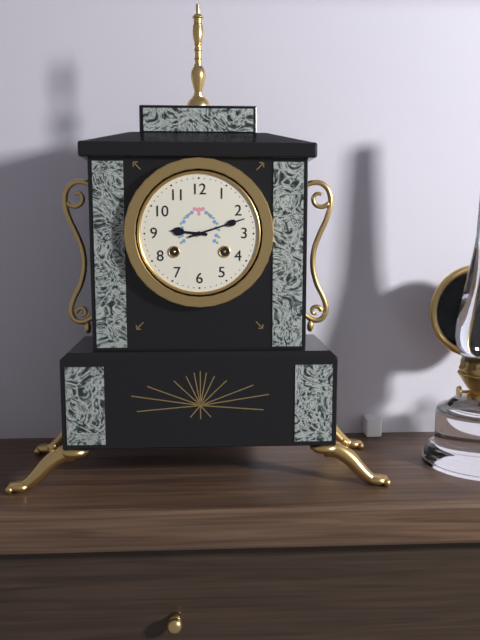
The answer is 9.12
